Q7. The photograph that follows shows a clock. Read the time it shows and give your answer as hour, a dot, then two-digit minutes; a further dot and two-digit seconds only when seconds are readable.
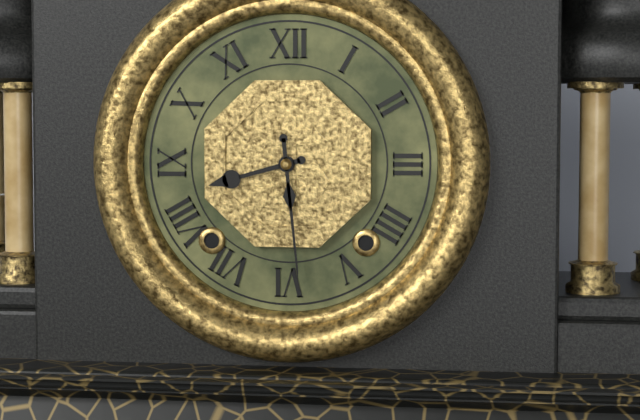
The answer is 8.29
